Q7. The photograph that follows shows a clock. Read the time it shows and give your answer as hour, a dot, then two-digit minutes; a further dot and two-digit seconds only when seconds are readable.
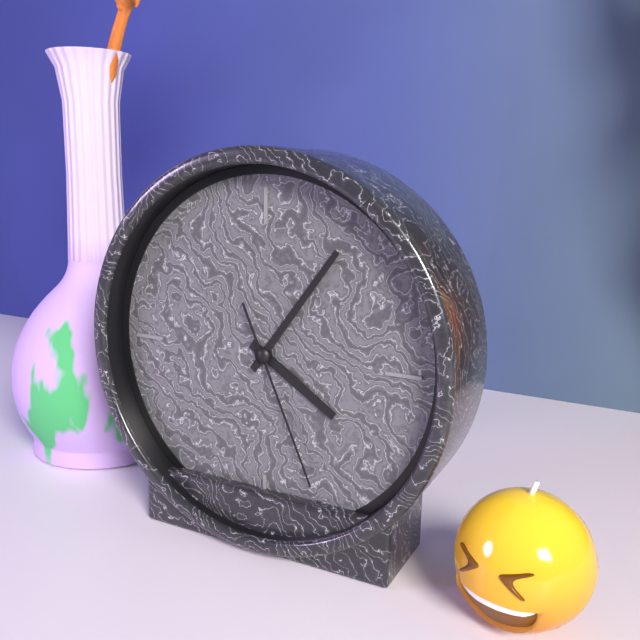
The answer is 4.06.26
